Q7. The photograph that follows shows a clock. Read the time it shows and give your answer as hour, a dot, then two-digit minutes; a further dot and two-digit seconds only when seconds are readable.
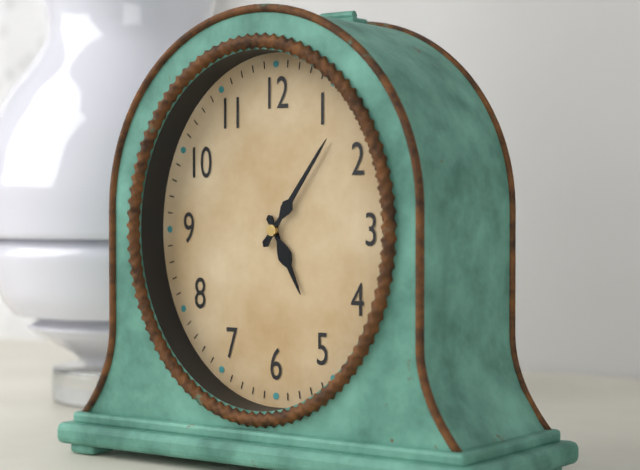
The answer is 5.06
